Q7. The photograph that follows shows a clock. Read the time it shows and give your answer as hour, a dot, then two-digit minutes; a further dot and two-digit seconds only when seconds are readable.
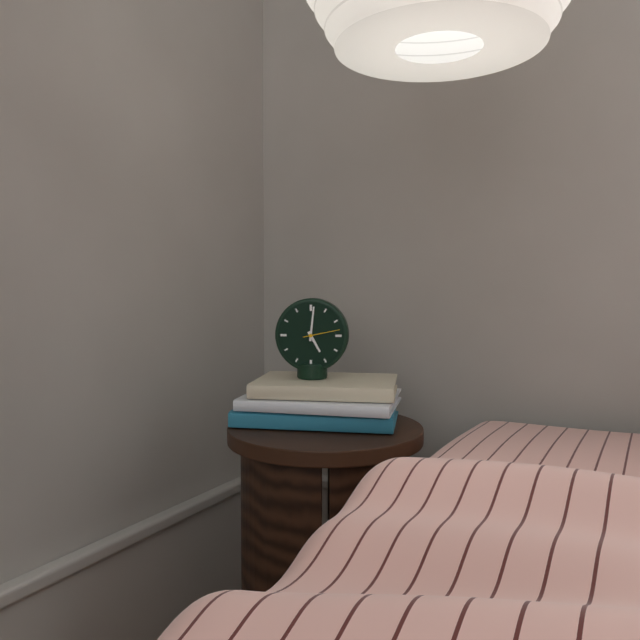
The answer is 5.01
